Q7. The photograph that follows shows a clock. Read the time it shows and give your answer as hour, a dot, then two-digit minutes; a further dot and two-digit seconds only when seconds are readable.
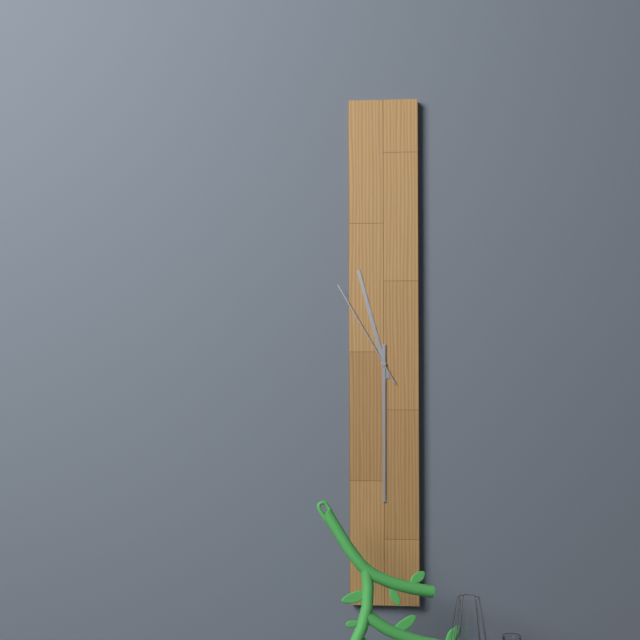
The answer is 11.30.55
